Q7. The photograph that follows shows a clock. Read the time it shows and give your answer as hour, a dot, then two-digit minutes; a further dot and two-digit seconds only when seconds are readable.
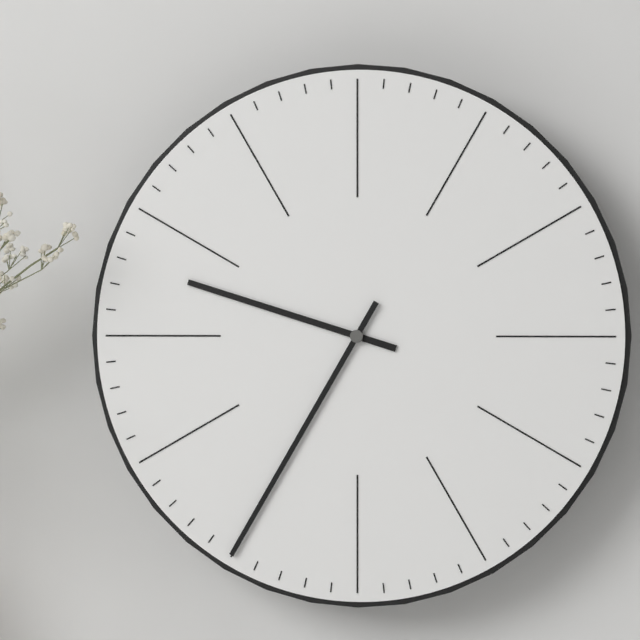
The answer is 9.35
